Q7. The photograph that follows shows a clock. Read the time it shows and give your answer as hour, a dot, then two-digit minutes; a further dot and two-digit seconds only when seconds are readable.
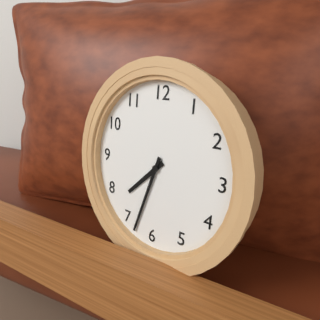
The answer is 7.33
